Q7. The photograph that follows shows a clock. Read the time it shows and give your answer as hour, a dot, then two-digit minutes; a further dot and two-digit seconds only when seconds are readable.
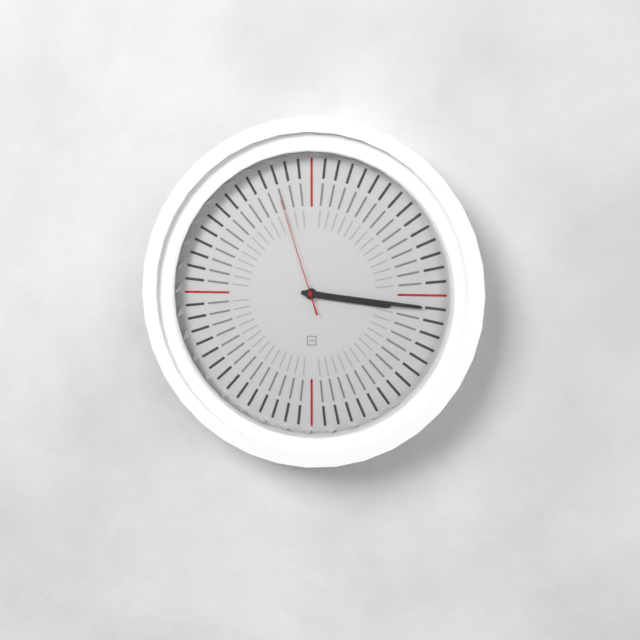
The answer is 3.16.57
